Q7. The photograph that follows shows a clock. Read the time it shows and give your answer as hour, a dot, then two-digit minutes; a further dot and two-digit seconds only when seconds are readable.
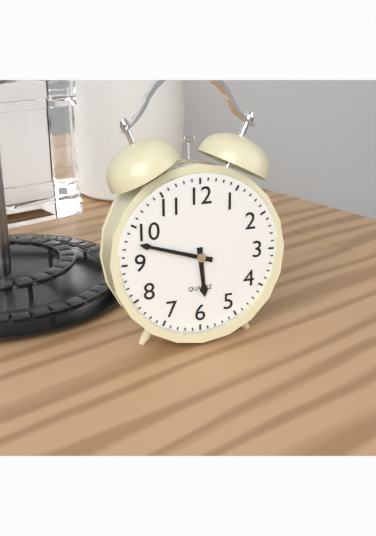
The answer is 5.48
